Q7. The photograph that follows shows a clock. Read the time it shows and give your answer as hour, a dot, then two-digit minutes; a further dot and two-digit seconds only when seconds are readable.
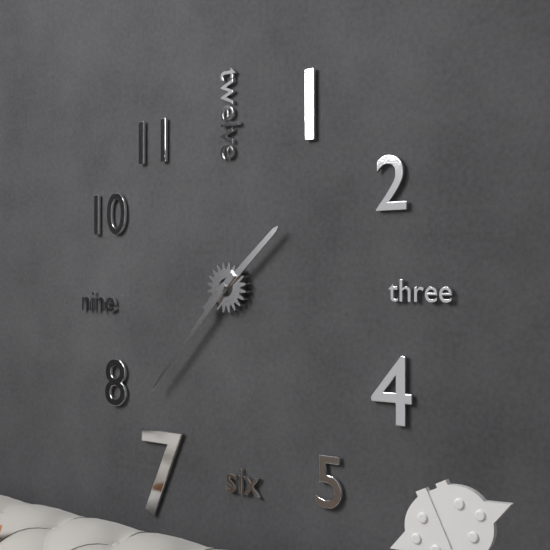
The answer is 1.37
